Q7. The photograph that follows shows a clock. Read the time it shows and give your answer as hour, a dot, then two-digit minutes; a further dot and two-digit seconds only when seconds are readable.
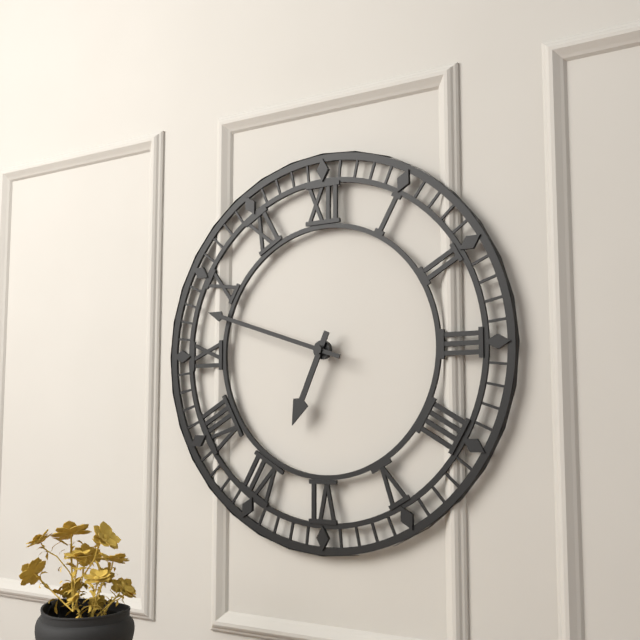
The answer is 6.48
